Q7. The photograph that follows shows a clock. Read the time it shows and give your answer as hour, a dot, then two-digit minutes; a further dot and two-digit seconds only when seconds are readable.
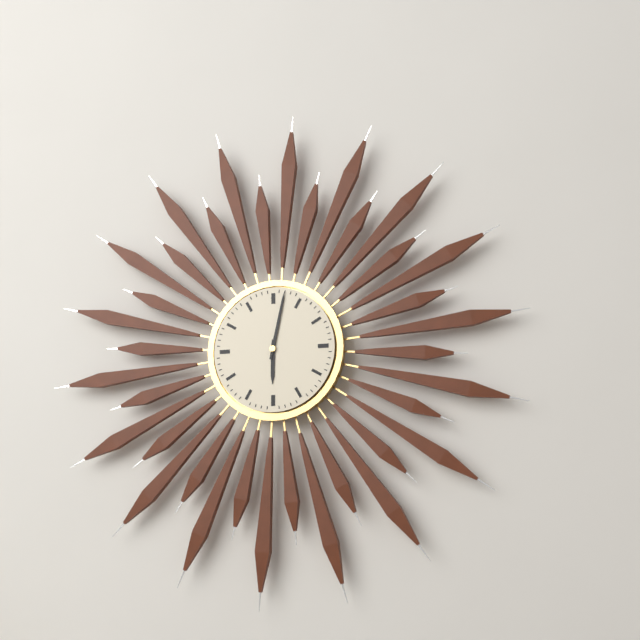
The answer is 6.02
